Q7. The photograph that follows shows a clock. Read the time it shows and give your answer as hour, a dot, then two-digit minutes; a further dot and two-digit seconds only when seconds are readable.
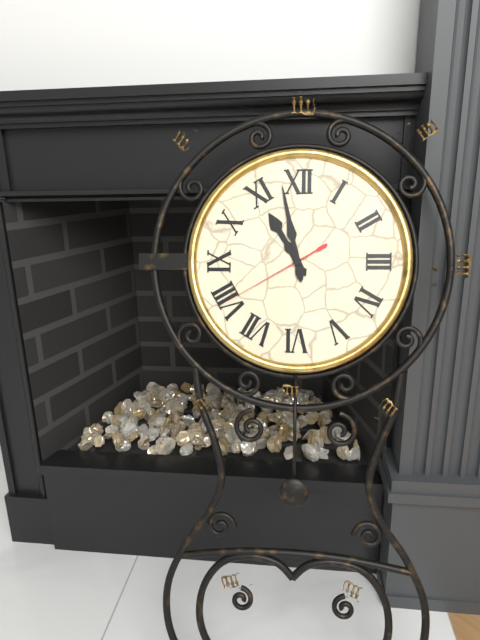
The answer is 10.58.40
